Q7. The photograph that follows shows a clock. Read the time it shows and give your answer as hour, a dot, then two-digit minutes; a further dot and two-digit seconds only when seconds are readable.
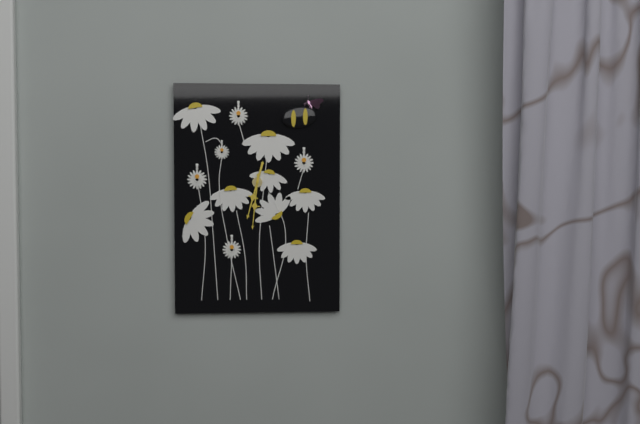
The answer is 6.31
